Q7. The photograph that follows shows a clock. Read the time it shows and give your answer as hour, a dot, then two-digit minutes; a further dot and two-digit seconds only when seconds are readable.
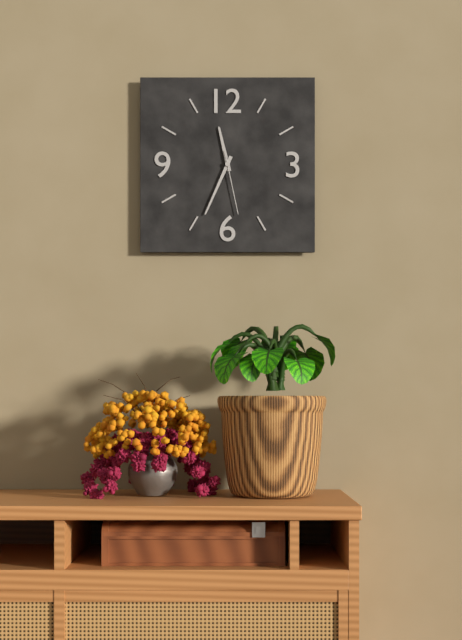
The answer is 11.34.28
